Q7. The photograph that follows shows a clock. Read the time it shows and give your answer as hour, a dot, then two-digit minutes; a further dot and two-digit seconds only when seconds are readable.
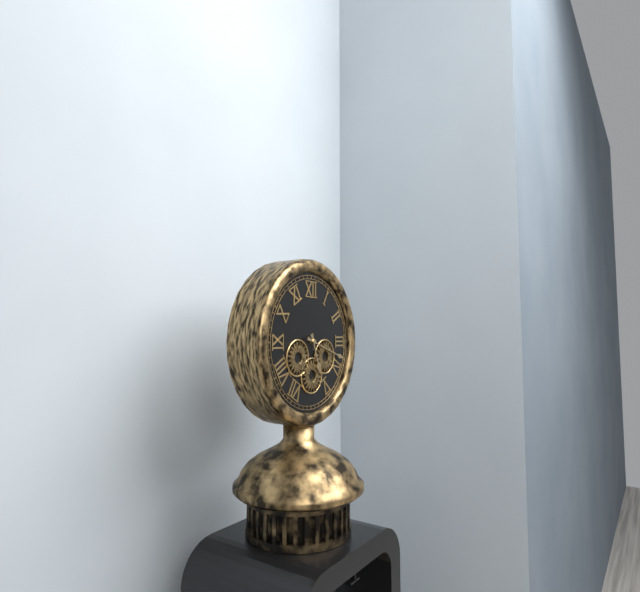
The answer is 5.18
